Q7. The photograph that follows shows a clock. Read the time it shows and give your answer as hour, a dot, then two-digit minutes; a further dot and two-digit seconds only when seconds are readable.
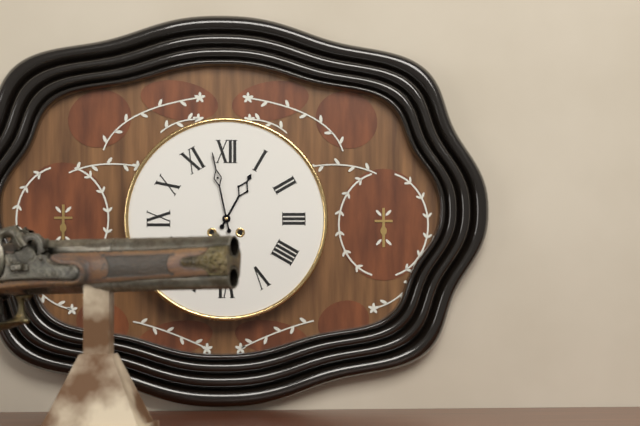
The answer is 12.58
